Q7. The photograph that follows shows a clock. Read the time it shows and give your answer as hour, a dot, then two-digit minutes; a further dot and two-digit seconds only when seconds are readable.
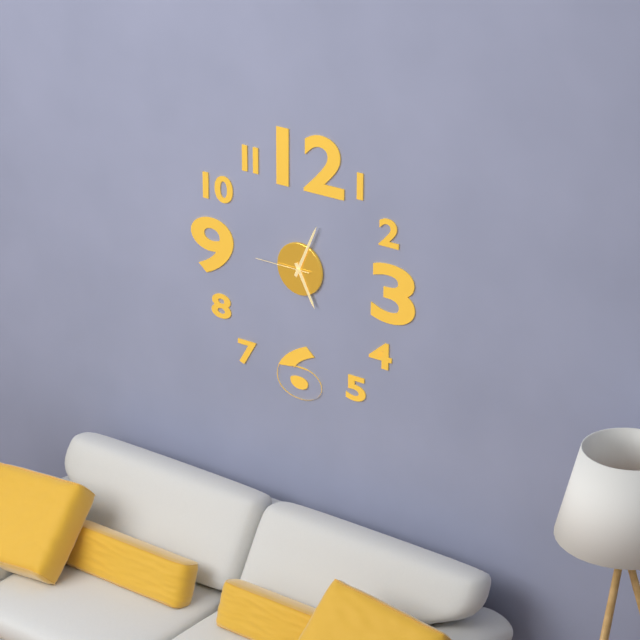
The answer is 5.04.45
